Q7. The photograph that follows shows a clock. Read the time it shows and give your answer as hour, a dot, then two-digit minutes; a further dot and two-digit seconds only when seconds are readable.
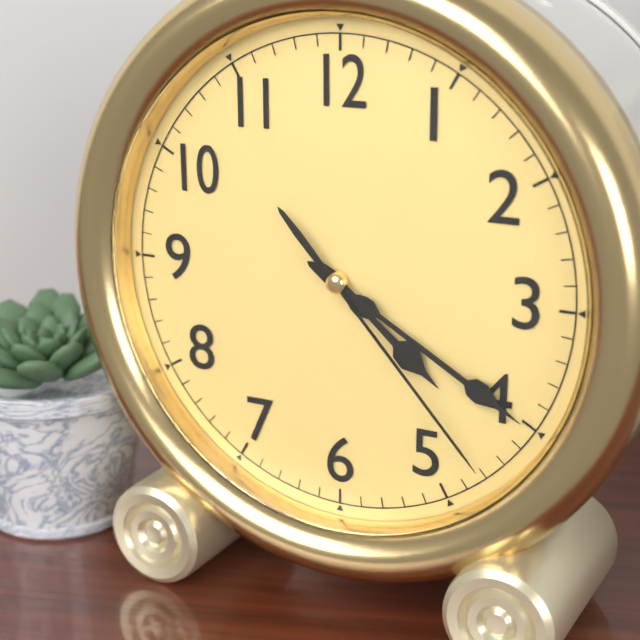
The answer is 4.20.23
